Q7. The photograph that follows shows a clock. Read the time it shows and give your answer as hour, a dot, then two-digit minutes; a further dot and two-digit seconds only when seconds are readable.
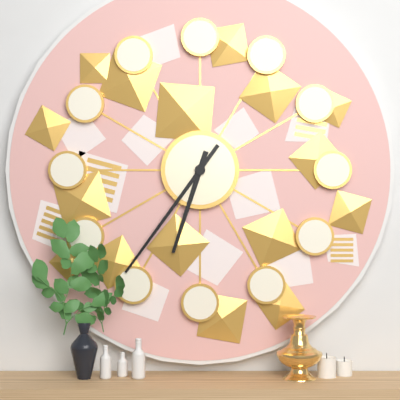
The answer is 6.36
